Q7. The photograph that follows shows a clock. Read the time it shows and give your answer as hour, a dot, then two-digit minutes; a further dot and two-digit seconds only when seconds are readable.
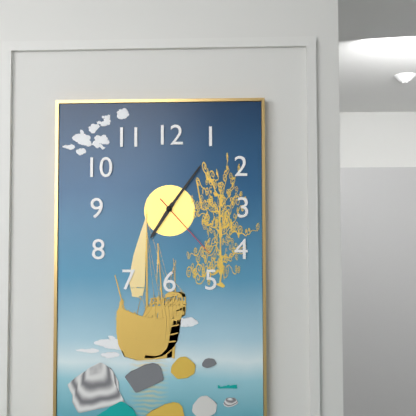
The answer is 7.06.23
